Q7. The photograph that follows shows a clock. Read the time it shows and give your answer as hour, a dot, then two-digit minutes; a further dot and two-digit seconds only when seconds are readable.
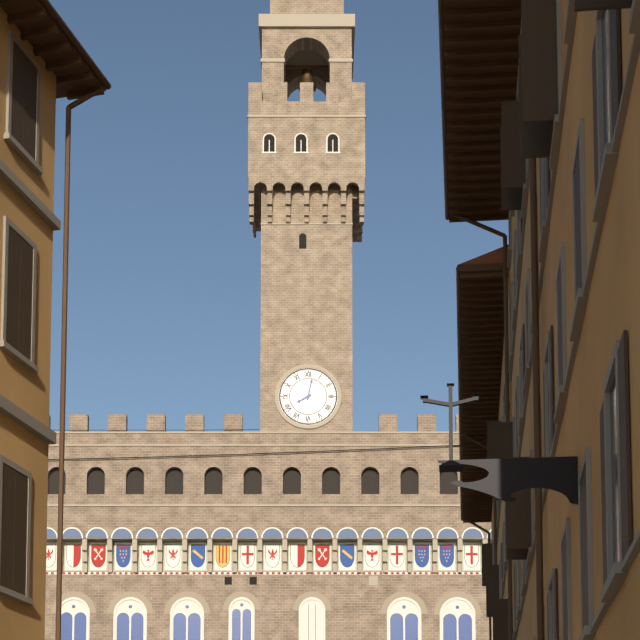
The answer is 8.02
